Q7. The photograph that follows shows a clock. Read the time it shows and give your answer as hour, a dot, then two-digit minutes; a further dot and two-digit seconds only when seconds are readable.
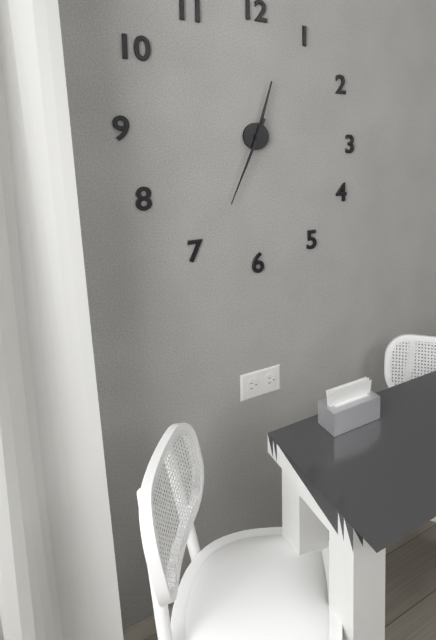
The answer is 12.34
